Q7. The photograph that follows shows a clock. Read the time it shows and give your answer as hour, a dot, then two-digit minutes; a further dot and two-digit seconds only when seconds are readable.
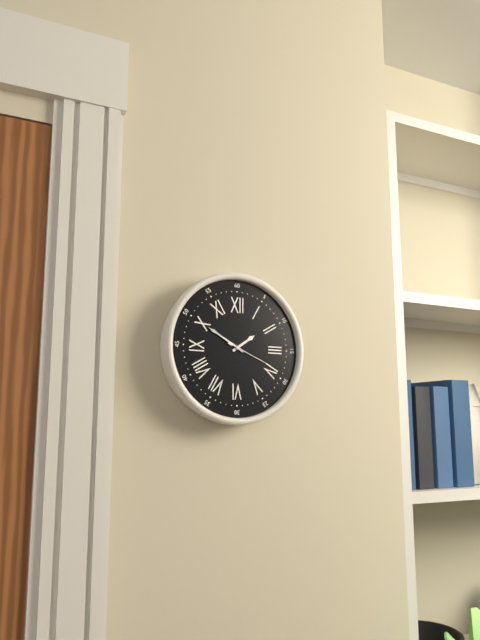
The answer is 1.50
